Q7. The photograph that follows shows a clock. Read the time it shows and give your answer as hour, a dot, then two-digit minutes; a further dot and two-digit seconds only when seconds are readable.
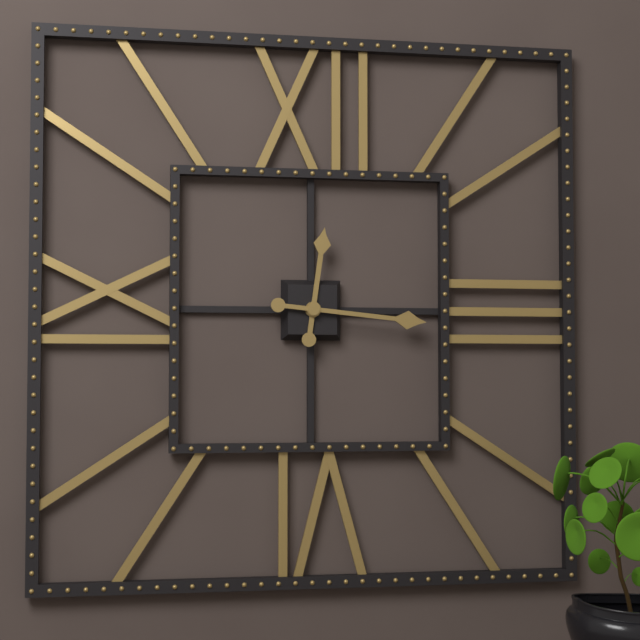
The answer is 12.16
